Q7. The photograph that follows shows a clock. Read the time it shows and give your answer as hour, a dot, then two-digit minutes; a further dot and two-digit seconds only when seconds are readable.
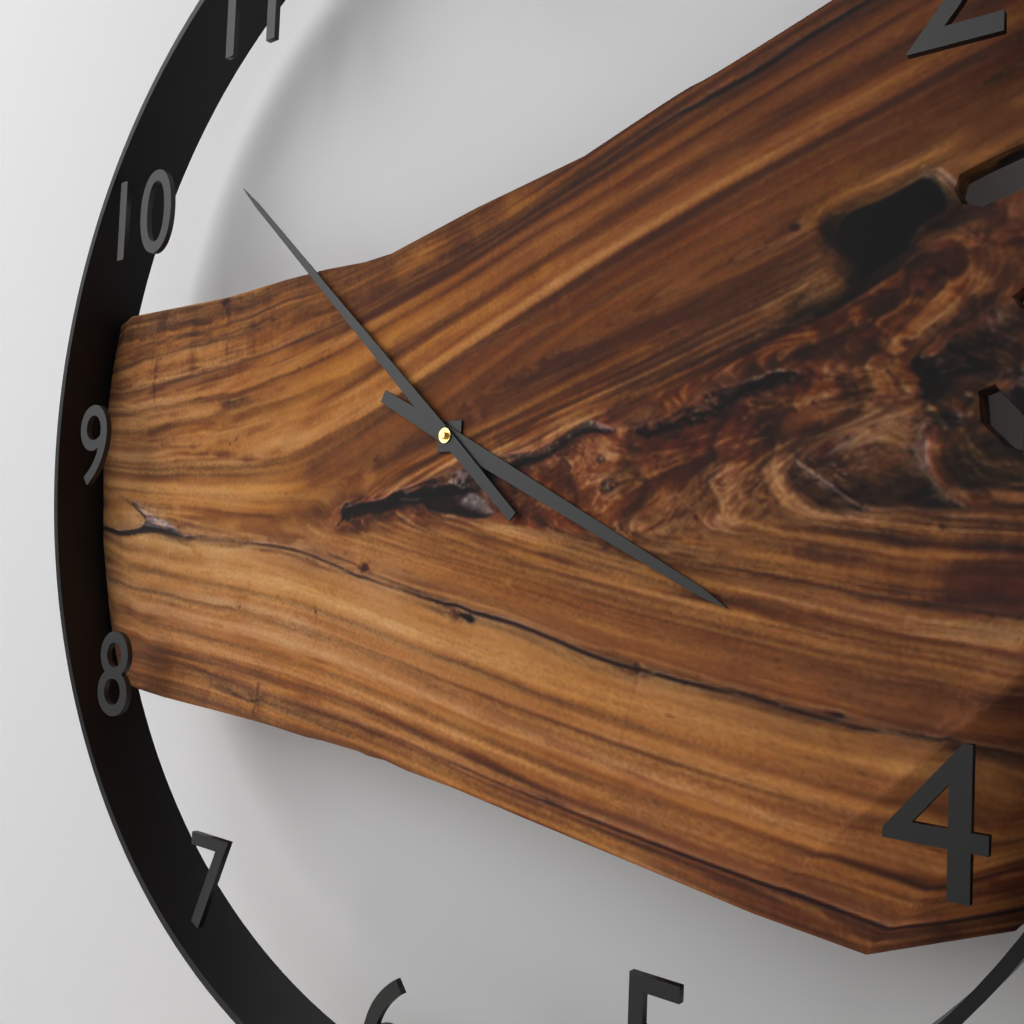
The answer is 3.52
